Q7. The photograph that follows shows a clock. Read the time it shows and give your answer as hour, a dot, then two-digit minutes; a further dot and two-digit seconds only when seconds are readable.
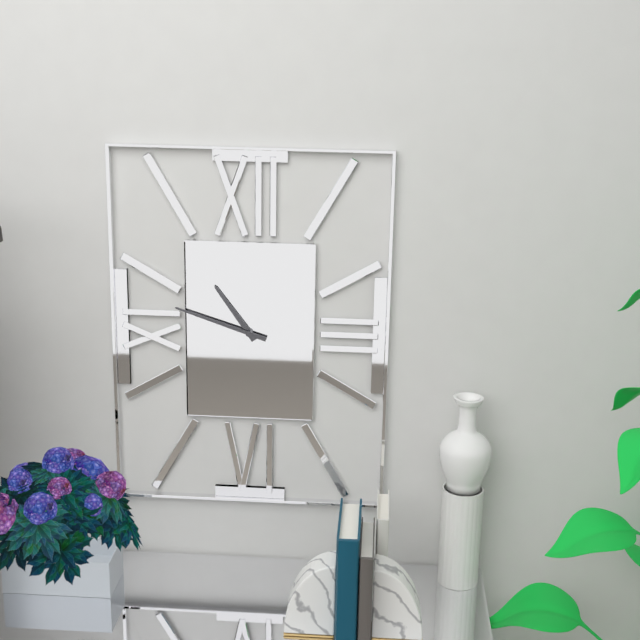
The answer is 10.48
